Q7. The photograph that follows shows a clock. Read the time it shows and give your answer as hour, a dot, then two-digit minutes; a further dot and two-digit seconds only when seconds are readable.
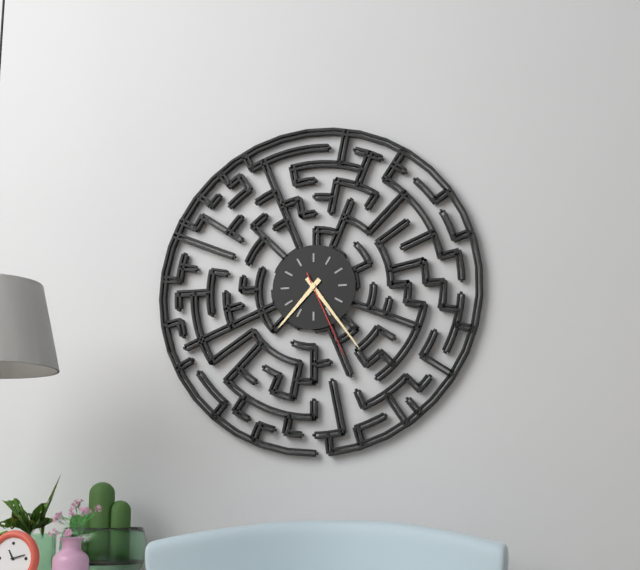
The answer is 7.24.26
